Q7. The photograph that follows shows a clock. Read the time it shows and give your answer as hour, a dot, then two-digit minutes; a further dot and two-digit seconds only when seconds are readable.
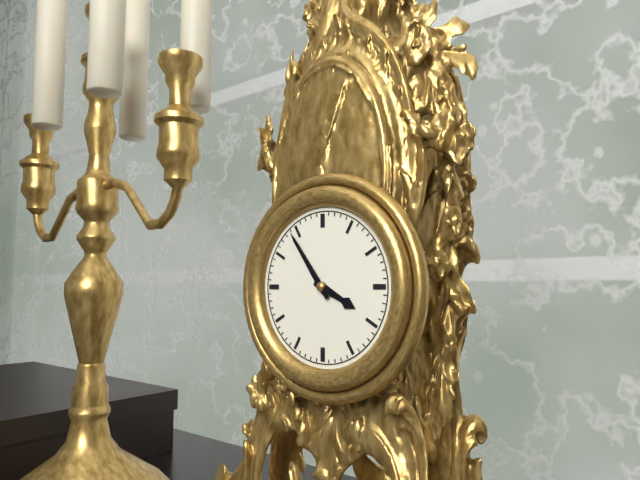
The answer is 3.54
